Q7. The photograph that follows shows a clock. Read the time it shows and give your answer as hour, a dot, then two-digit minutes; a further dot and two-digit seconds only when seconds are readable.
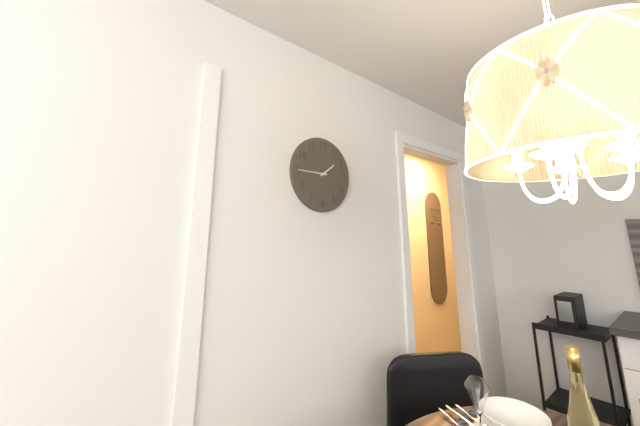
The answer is 1.45
